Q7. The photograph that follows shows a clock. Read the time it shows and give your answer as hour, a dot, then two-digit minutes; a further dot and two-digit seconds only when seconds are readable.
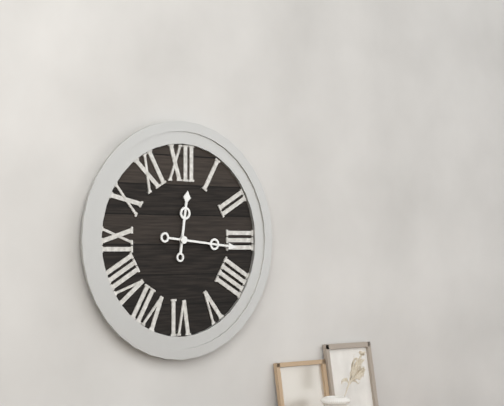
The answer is 12.16
